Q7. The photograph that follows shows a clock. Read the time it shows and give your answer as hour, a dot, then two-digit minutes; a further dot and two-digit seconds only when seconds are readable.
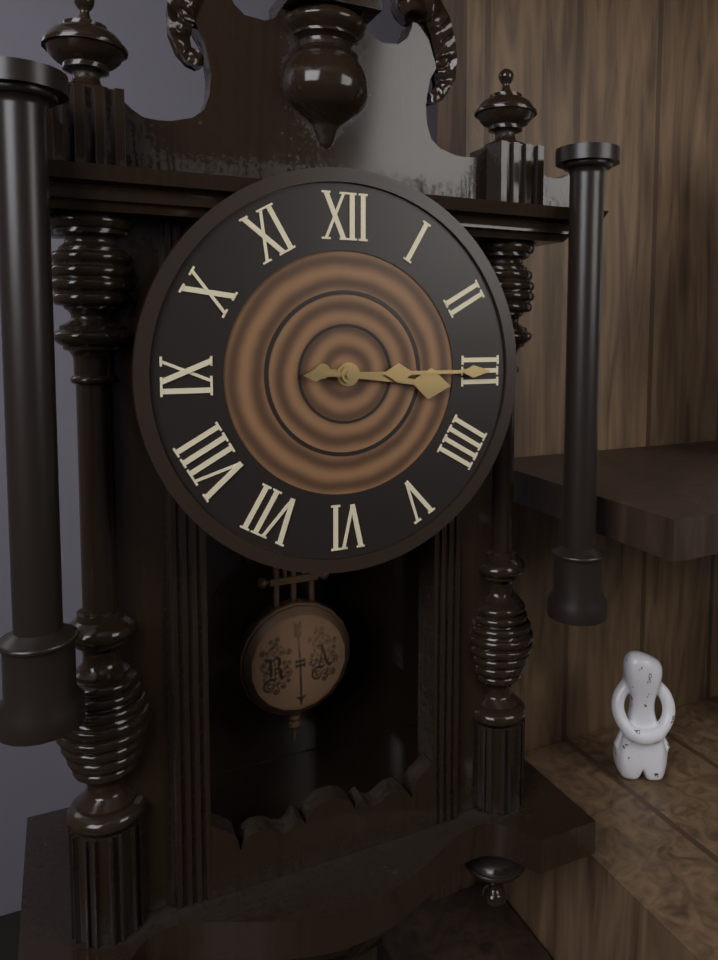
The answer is 3.15
